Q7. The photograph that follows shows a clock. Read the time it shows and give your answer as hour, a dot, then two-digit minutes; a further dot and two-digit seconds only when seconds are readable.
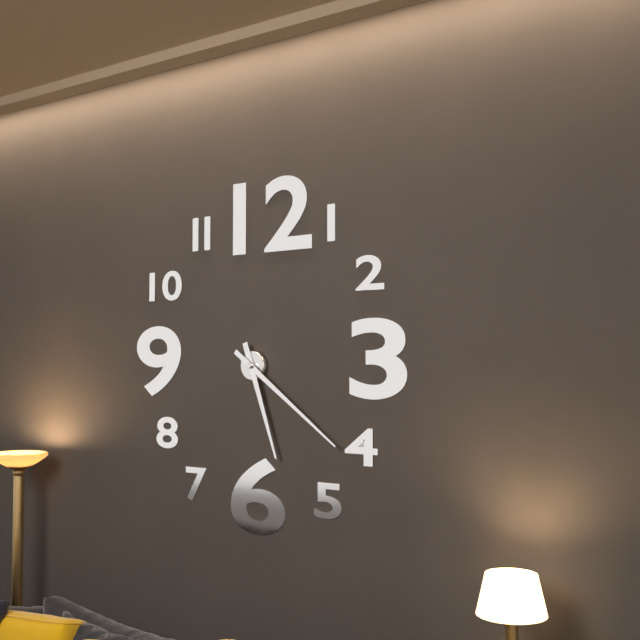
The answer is 5.21
